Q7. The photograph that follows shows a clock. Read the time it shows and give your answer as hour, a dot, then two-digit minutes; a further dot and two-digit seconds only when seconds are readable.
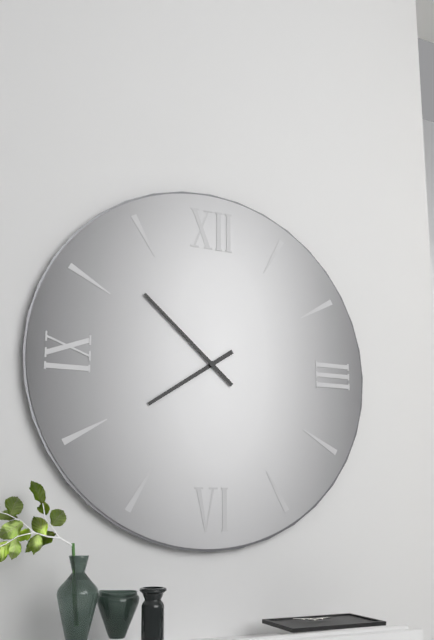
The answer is 7.52
